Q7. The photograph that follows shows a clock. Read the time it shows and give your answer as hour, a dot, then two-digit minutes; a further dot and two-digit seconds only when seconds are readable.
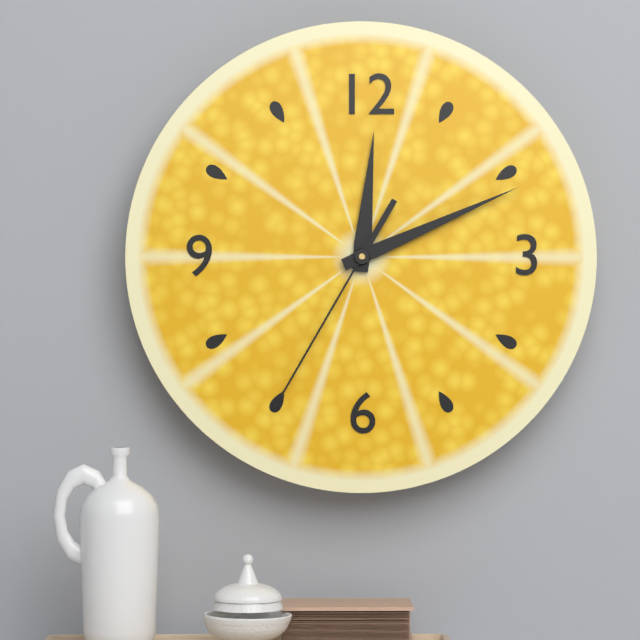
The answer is 12.11.35
